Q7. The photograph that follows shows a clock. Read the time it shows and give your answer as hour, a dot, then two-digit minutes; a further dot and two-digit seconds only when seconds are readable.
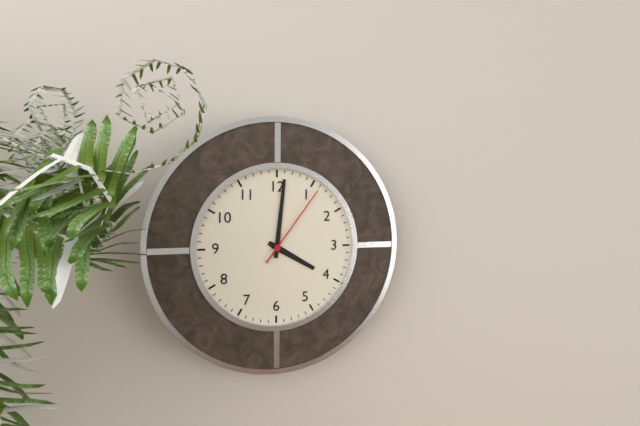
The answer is 4.01.06
